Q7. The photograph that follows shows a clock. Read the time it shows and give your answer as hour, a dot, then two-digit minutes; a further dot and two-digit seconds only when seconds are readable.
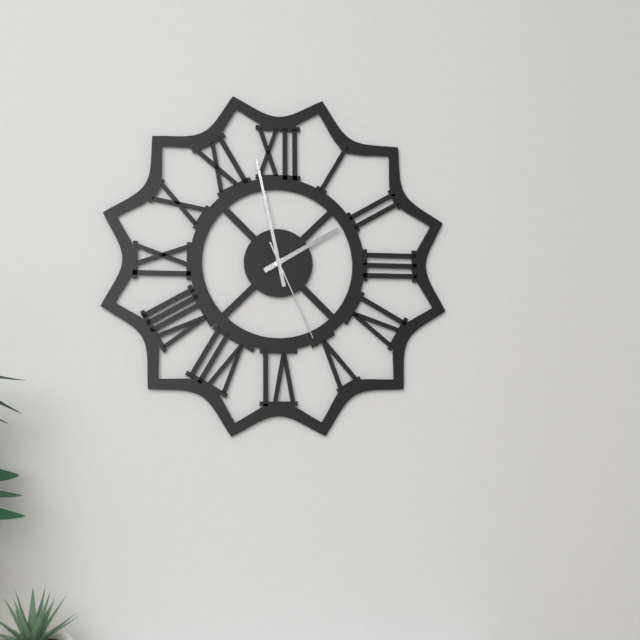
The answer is 1.58.26
